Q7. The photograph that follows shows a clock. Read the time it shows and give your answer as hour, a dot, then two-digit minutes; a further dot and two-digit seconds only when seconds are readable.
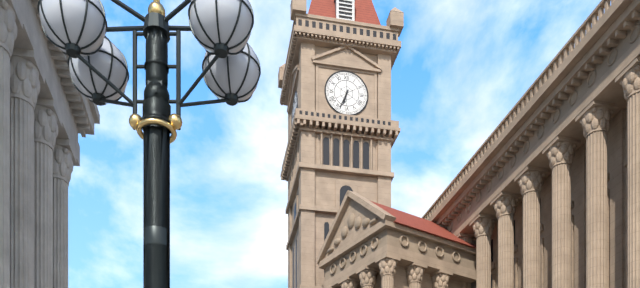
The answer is 6.34
